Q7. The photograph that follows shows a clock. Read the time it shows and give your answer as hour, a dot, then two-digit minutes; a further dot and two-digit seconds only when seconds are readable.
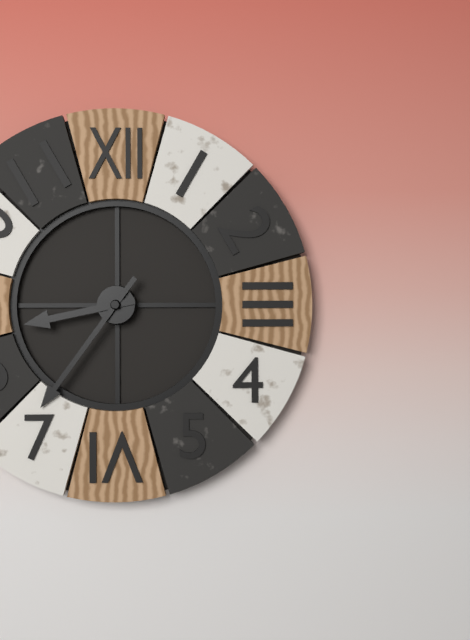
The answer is 8.36
